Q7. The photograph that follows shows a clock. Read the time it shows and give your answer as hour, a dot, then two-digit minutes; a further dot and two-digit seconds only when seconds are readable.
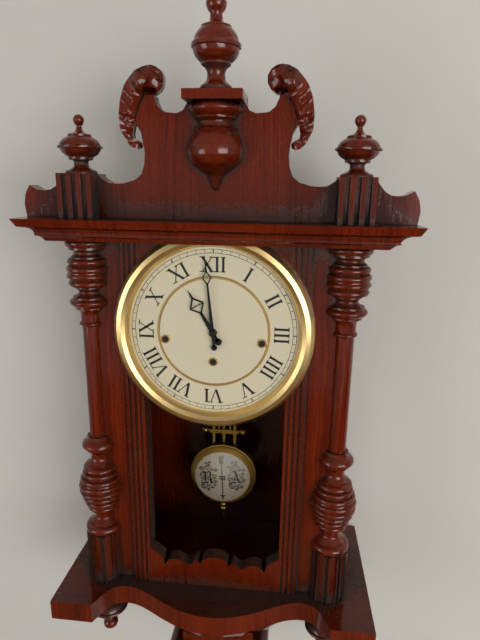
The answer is 10.59
